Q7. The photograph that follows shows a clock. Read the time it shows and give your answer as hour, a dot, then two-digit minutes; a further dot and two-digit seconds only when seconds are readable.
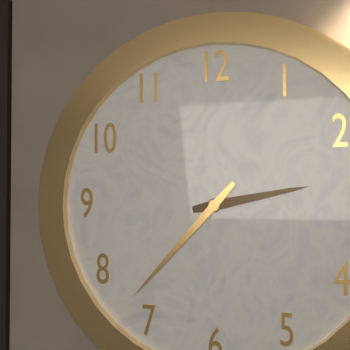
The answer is 2.37
